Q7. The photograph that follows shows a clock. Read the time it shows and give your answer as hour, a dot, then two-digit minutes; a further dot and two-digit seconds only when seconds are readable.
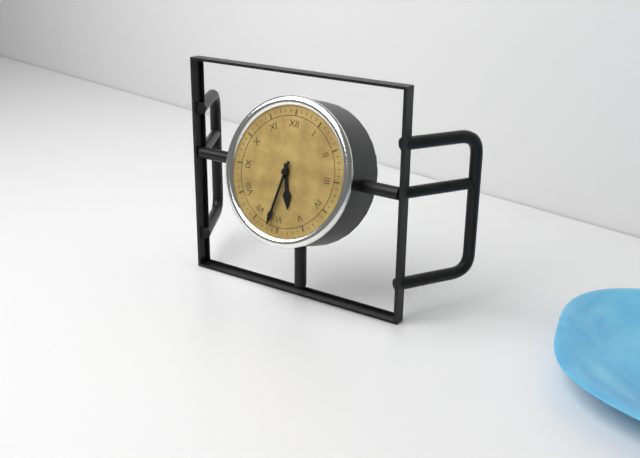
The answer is 5.32
